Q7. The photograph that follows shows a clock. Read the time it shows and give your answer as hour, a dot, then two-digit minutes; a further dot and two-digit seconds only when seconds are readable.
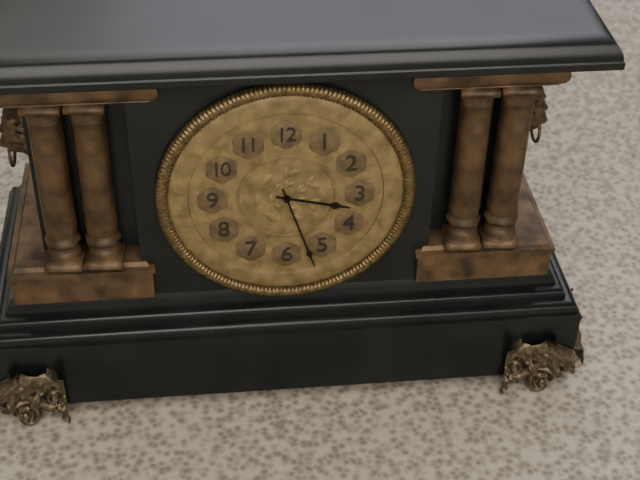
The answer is 3.27
